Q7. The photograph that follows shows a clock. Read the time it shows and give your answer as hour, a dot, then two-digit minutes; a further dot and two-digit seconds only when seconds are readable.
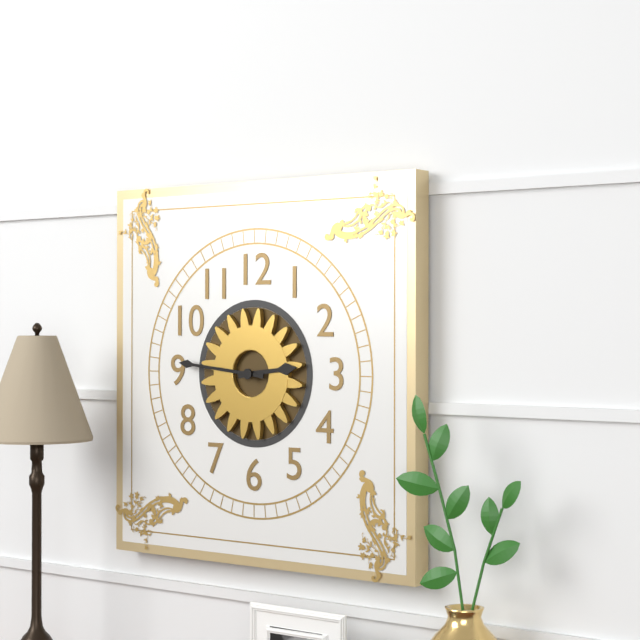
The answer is 2.46
